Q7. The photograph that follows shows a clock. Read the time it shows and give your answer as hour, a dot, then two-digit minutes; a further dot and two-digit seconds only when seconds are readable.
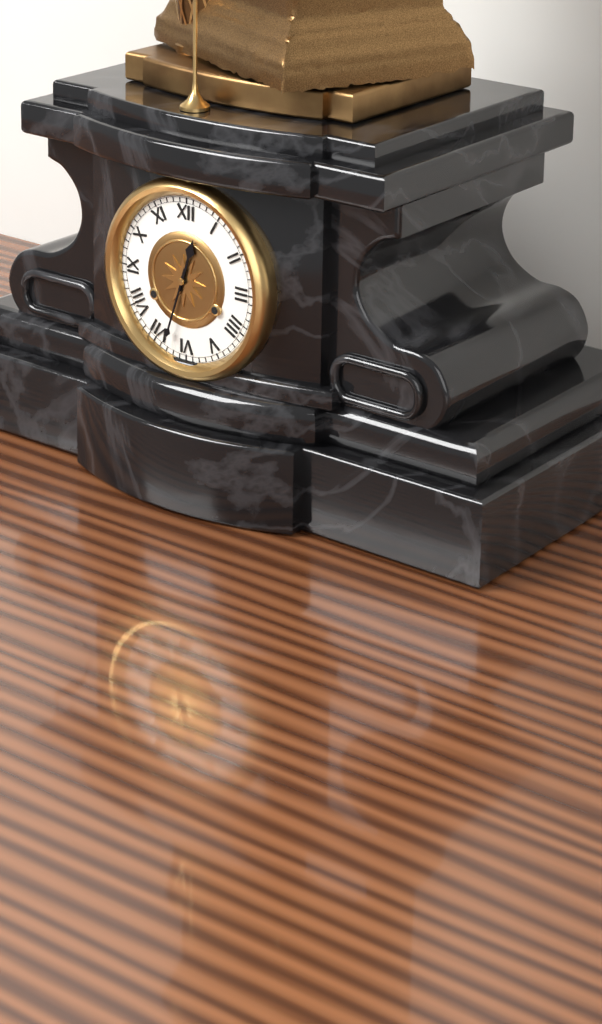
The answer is 12.33
